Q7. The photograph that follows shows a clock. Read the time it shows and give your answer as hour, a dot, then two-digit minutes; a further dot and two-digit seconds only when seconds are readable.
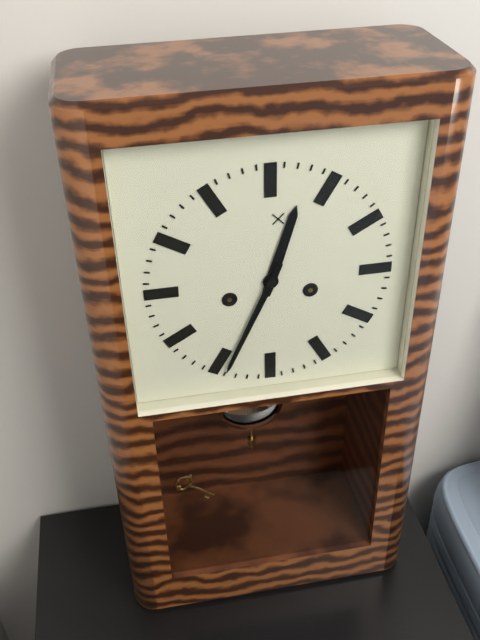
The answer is 12.34
